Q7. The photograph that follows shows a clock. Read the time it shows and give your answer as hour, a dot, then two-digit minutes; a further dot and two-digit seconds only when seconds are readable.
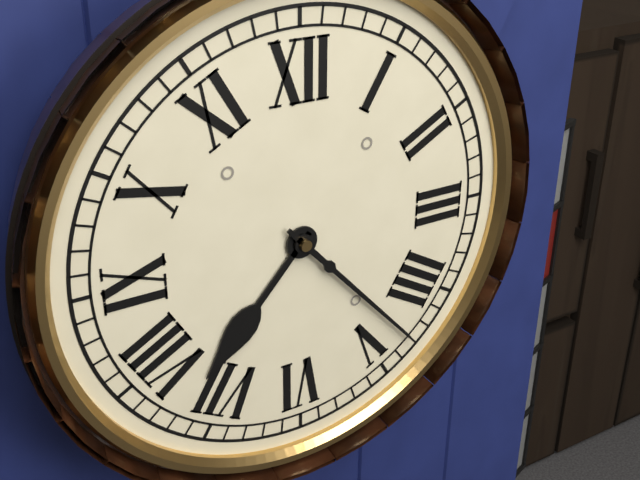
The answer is 7.23
